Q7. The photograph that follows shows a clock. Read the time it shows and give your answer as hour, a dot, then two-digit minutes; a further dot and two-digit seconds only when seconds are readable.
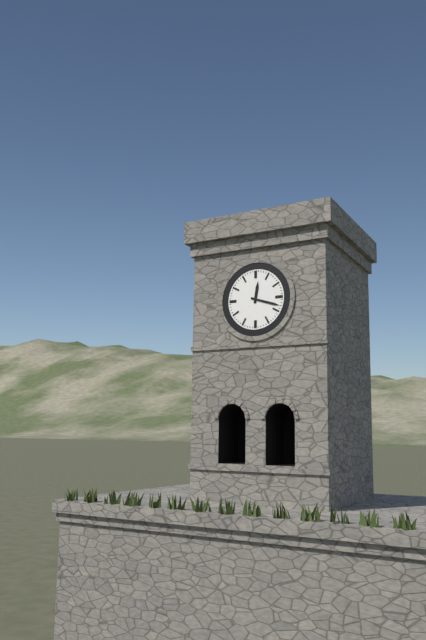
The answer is 12.18
